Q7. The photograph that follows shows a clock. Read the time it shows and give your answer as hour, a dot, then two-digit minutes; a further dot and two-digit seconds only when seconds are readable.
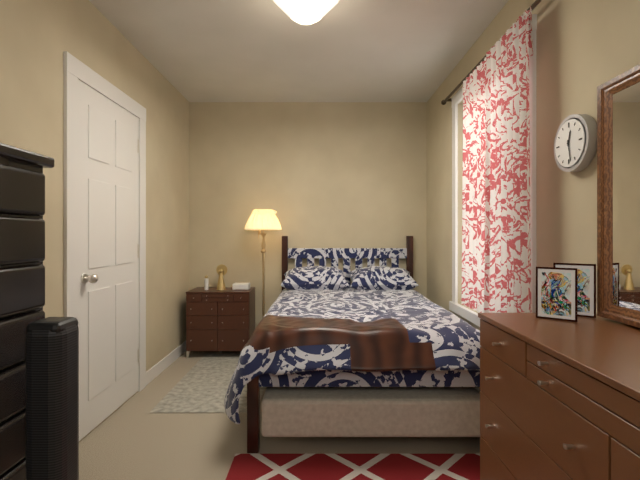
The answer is 12.28
